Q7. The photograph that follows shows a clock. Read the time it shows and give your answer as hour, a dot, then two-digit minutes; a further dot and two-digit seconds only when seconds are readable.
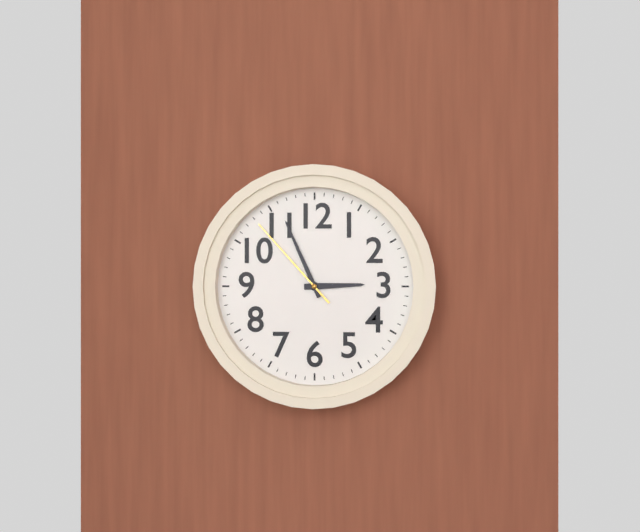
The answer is 2.56.53
